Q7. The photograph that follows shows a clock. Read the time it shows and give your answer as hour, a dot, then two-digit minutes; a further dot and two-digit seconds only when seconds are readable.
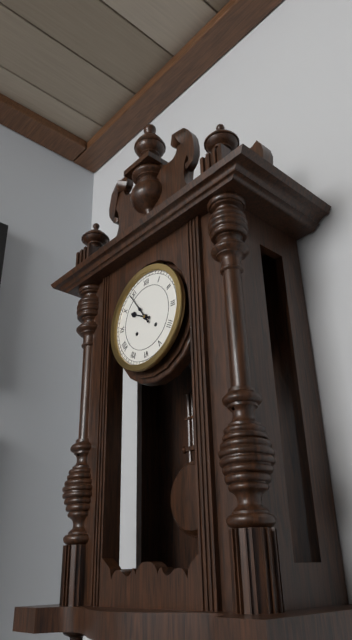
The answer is 9.54
